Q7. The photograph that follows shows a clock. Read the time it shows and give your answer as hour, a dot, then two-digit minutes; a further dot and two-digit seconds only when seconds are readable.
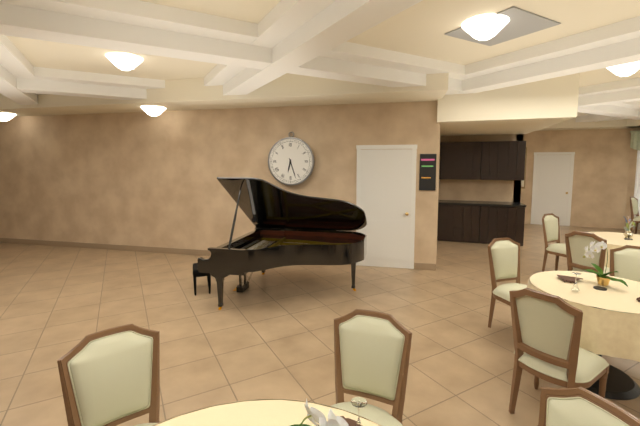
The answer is 6.27
